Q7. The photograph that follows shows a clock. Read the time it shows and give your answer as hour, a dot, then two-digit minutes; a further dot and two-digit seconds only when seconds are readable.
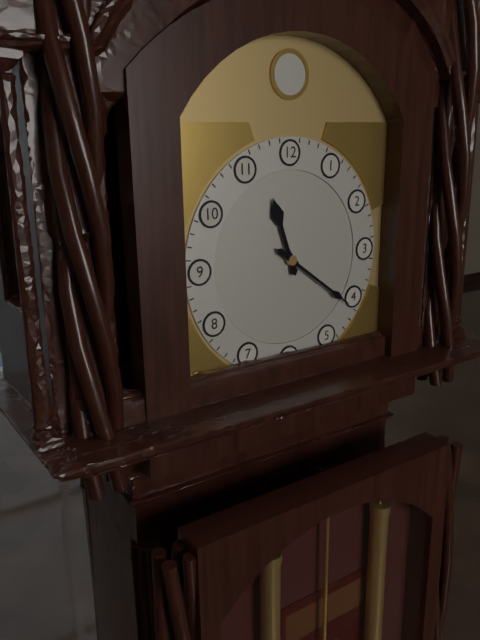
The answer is 11.21
